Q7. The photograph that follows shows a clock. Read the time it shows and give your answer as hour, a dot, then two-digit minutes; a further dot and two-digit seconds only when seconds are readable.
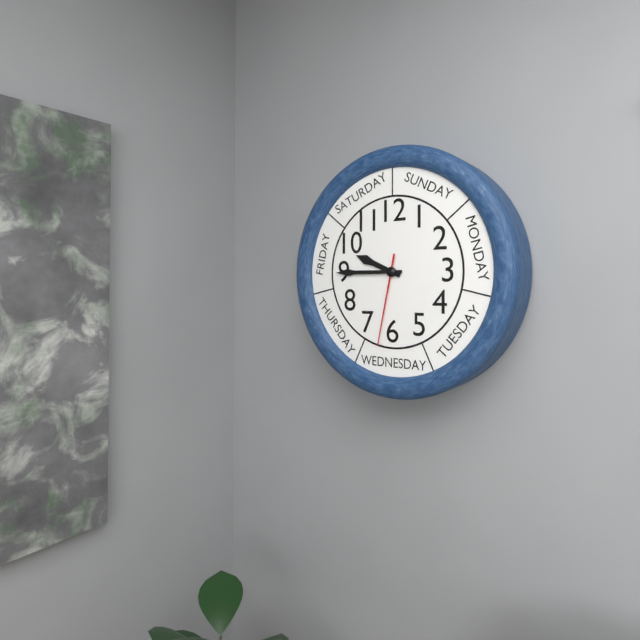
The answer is 9.45.32
